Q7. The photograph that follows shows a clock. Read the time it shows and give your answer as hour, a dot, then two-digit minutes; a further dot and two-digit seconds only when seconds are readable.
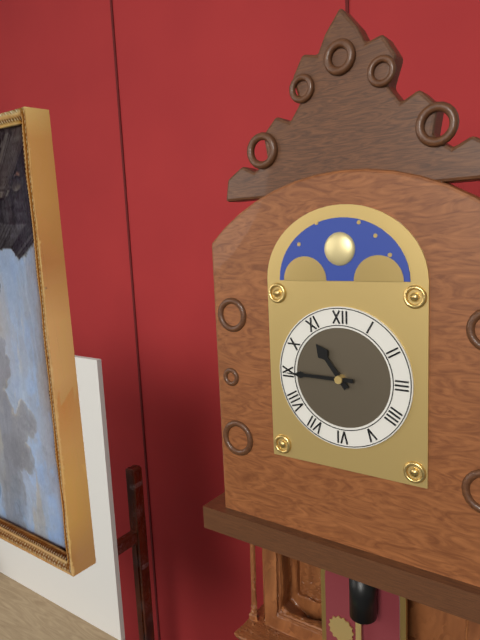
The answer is 10.45
